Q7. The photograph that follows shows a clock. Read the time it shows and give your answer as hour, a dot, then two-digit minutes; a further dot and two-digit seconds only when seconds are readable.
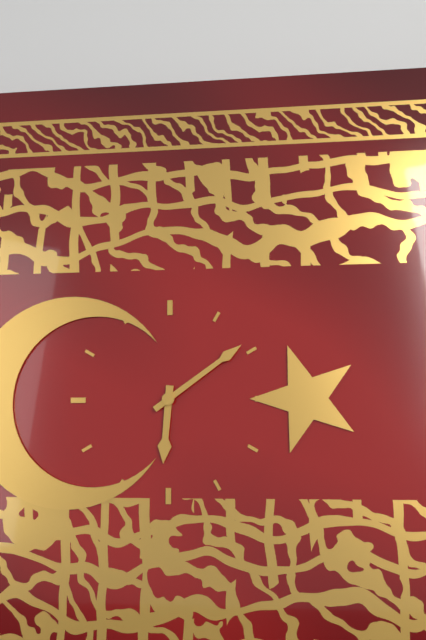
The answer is 6.09
